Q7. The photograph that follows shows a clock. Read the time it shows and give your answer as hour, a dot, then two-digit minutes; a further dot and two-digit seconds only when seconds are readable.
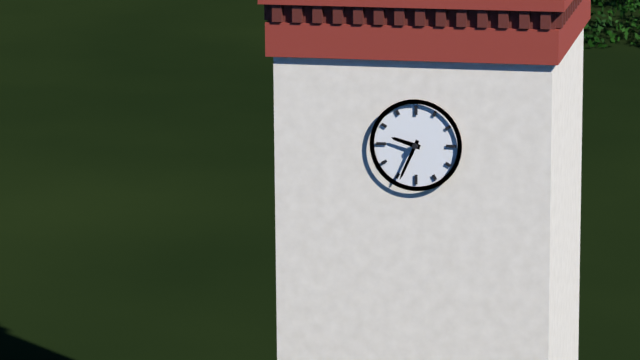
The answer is 9.34
